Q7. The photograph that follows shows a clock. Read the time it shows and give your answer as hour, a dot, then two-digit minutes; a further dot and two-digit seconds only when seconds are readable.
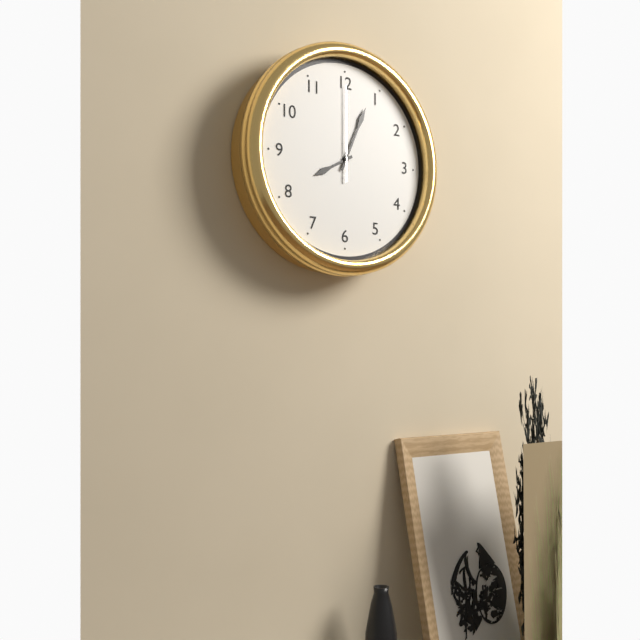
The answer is 8.04.00
